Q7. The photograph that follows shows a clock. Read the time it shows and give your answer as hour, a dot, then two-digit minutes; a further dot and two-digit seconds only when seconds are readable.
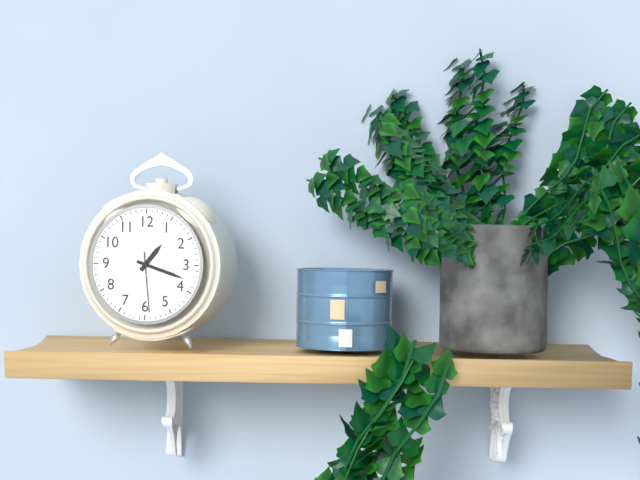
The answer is 1.18.29
